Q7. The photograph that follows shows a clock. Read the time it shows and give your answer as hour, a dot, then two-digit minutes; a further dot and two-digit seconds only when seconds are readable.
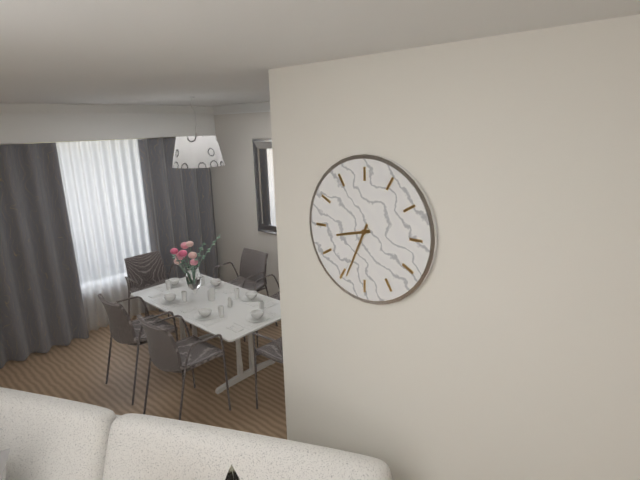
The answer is 8.34
